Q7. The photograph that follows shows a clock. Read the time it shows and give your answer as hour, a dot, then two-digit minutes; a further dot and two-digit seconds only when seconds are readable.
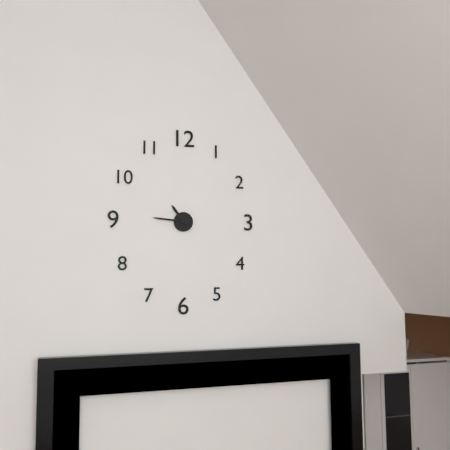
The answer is 10.46
